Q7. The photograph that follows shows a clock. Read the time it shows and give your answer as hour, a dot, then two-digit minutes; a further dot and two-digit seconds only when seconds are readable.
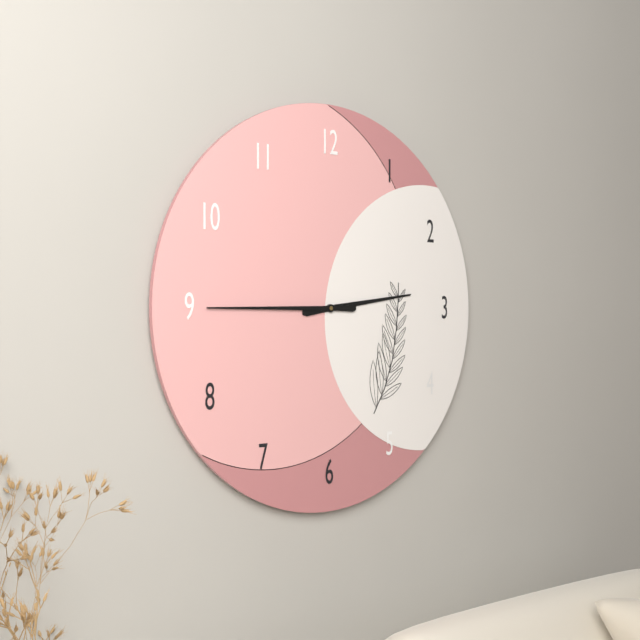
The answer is 2.45
